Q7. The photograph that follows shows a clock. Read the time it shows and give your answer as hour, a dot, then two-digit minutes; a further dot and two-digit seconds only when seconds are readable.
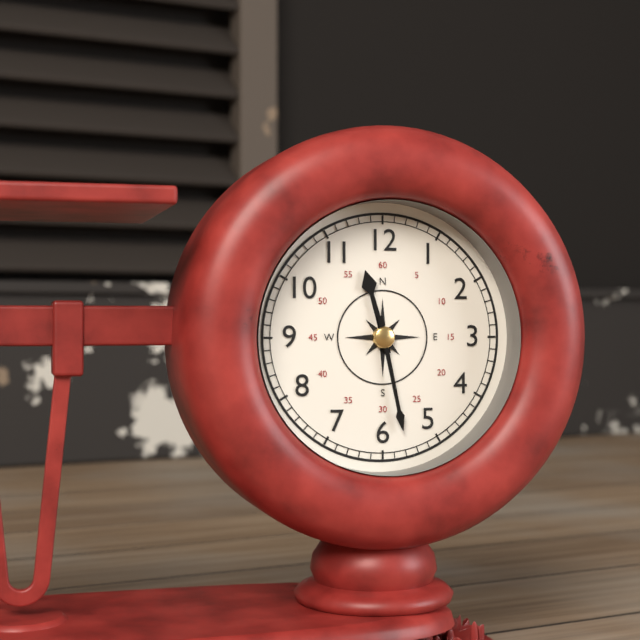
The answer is 11.28
